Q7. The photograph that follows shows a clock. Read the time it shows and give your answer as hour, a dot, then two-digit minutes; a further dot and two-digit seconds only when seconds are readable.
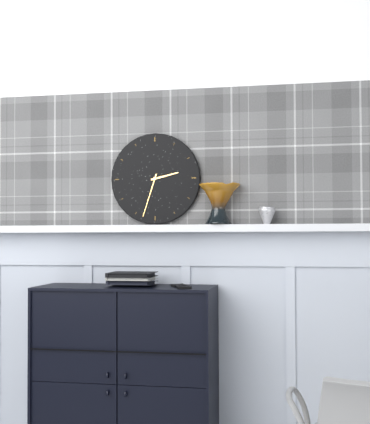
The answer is 2.33
